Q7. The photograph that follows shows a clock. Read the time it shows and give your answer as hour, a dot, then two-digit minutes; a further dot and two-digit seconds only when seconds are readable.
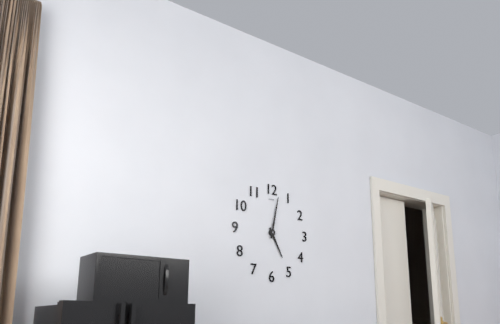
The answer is 5.02
